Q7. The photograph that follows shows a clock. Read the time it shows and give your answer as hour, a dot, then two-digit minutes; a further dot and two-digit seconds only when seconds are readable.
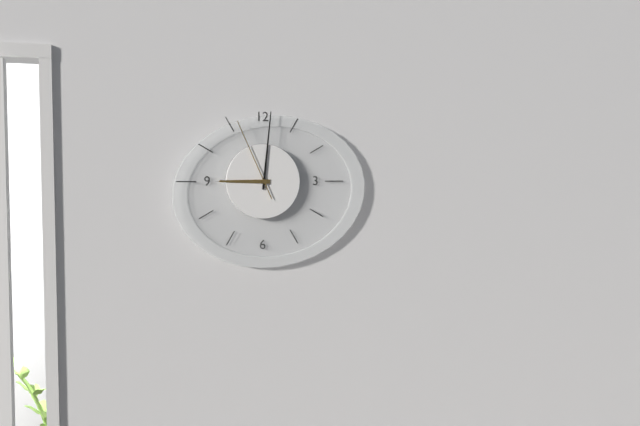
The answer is 9.01.56
